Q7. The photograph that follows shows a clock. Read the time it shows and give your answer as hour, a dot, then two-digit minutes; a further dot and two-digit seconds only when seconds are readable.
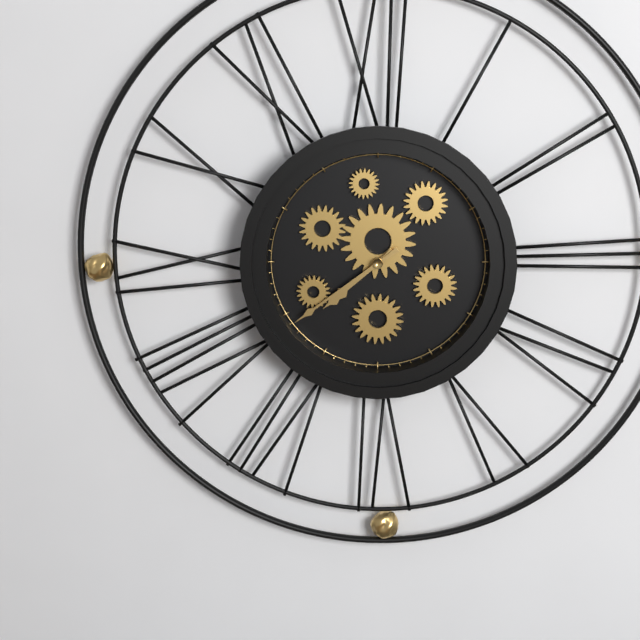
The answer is 7.39
